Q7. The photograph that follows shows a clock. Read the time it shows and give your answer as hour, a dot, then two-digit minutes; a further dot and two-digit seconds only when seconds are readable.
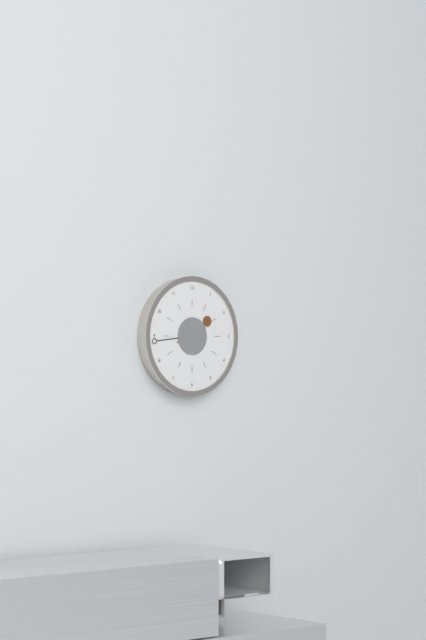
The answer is 1.44
